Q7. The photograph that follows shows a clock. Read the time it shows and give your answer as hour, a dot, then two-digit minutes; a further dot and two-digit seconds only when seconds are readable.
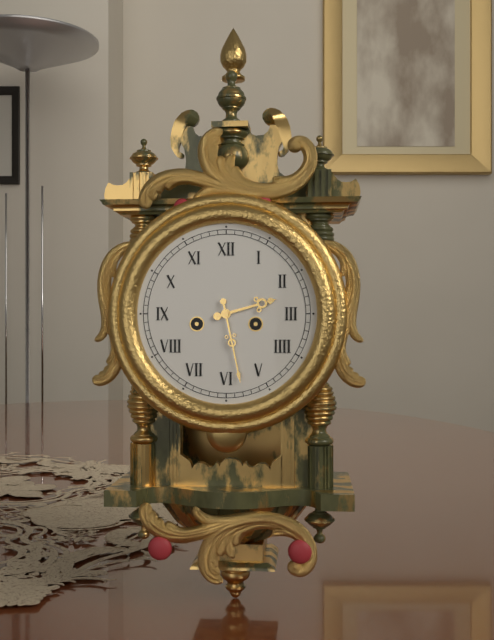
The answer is 2.28
